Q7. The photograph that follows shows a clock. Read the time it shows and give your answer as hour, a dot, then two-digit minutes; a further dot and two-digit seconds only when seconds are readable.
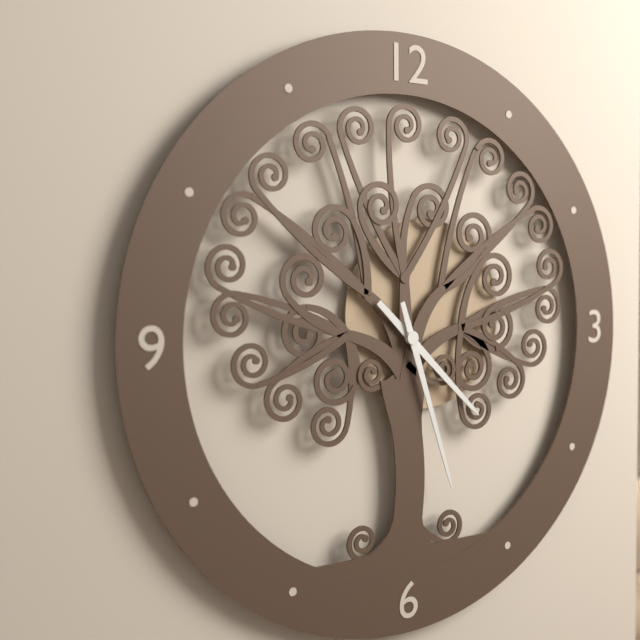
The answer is 4.27
